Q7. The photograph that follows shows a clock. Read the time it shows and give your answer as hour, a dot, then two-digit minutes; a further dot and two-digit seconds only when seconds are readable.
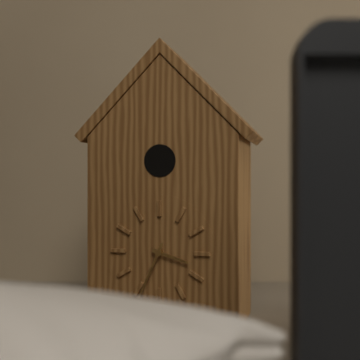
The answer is 3.34
